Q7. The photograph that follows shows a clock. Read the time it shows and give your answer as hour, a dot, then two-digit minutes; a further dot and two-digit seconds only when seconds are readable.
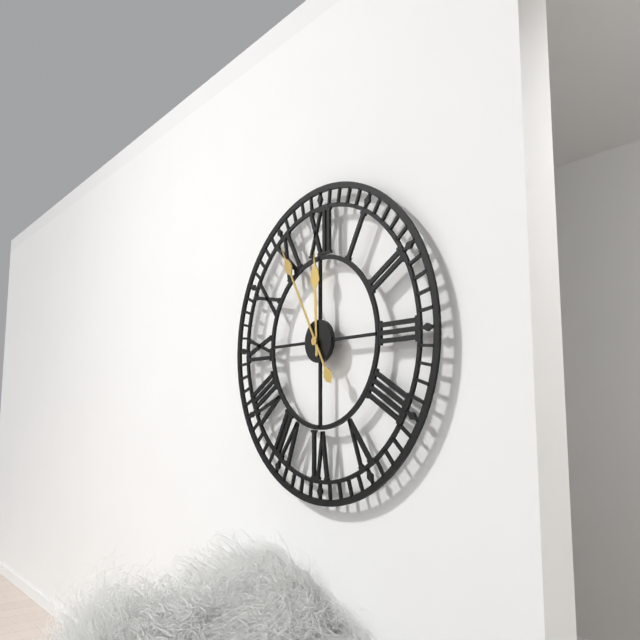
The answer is 11.55
